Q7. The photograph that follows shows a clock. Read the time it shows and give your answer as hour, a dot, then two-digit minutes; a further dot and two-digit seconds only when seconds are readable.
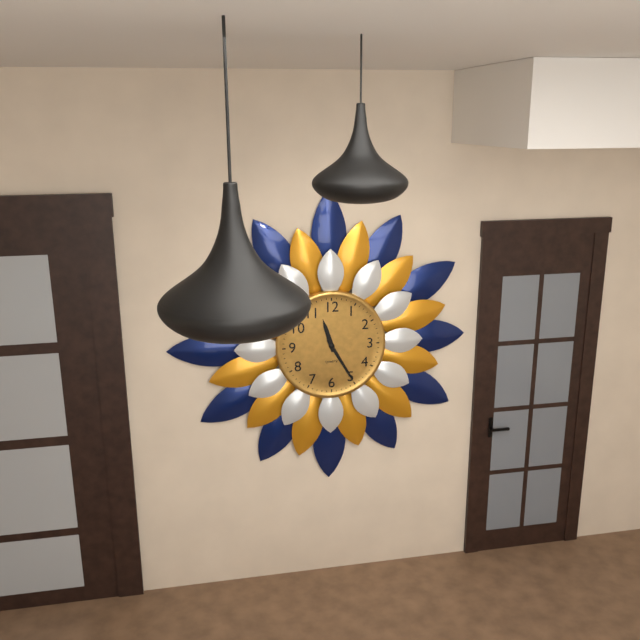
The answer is 11.25
